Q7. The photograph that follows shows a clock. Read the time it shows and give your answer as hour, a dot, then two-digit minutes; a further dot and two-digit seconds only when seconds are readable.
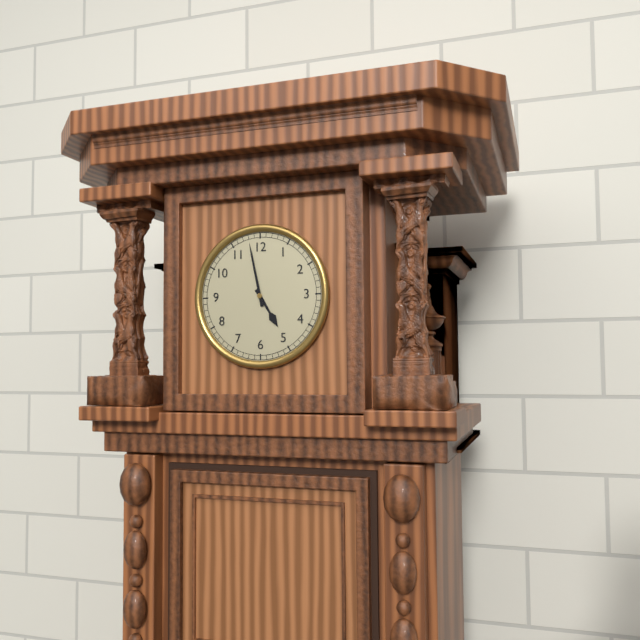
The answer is 4.58
